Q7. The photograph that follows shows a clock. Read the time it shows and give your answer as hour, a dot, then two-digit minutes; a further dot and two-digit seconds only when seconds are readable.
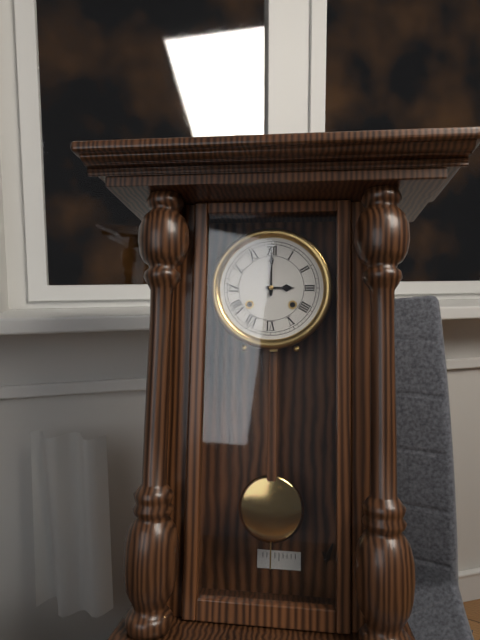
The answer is 3.00
